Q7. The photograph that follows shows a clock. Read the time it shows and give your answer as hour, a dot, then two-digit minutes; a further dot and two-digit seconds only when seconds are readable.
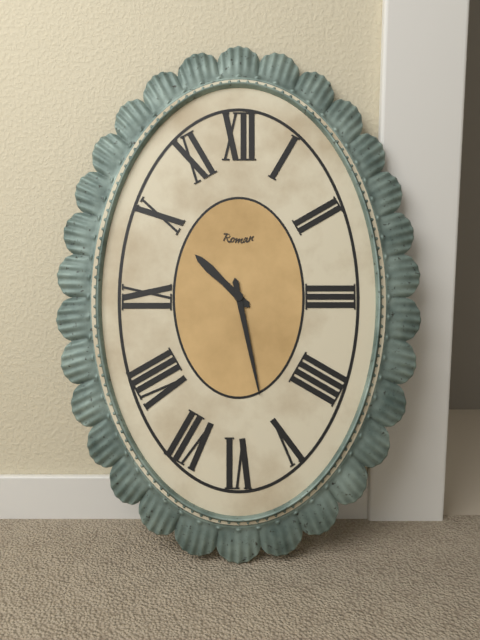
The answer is 10.28
